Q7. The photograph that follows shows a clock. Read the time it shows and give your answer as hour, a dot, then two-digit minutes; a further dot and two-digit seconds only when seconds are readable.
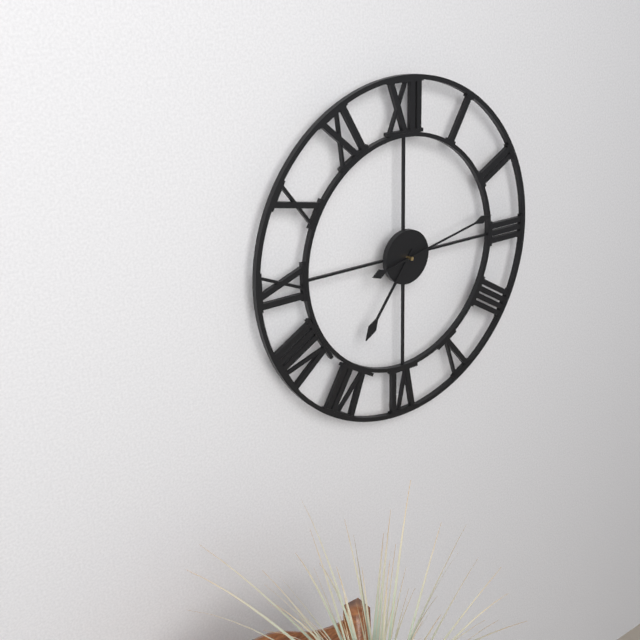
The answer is 7.13
